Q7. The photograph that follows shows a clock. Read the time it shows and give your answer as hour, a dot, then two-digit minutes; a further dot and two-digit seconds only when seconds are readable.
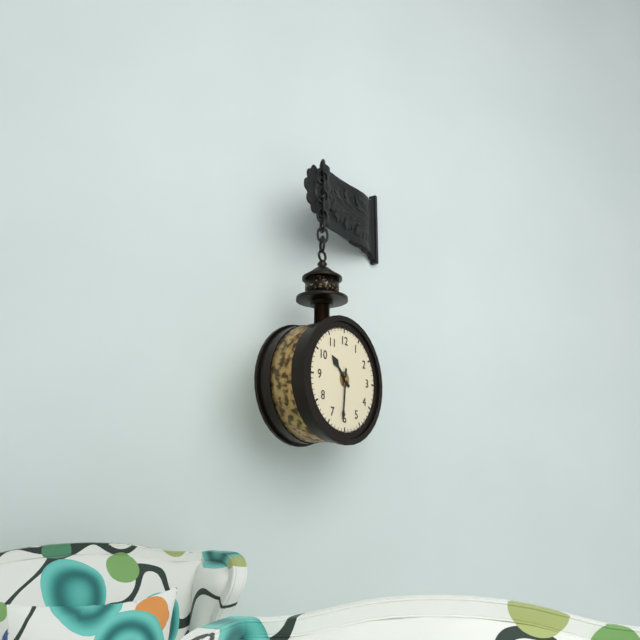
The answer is 10.31
